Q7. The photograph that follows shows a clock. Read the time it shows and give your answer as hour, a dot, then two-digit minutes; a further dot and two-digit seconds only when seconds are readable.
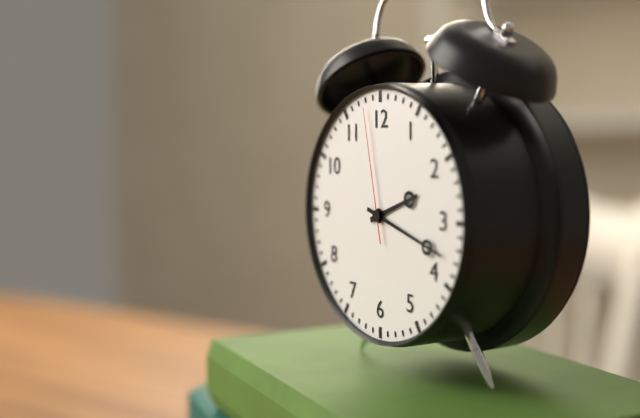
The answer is 2.18.58
